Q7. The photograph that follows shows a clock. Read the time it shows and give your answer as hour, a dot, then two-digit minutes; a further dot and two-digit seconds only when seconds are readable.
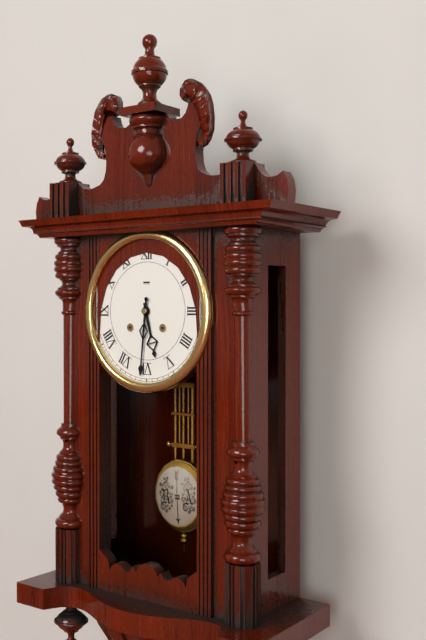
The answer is 5.31
